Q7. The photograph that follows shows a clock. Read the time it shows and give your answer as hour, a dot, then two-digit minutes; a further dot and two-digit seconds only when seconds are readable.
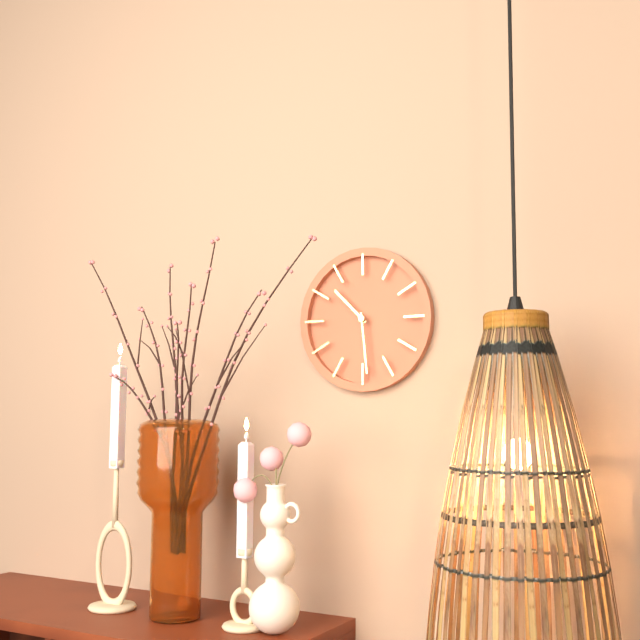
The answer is 10.29
